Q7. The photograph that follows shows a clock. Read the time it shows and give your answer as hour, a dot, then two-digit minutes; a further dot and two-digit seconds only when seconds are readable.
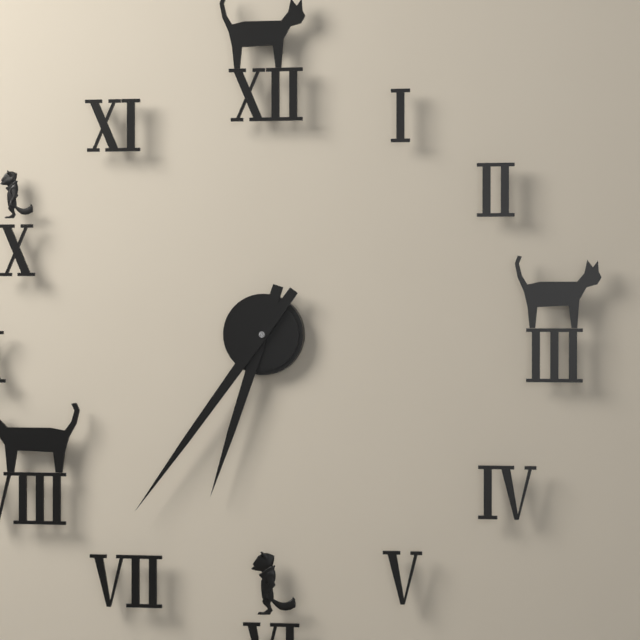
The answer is 6.36
